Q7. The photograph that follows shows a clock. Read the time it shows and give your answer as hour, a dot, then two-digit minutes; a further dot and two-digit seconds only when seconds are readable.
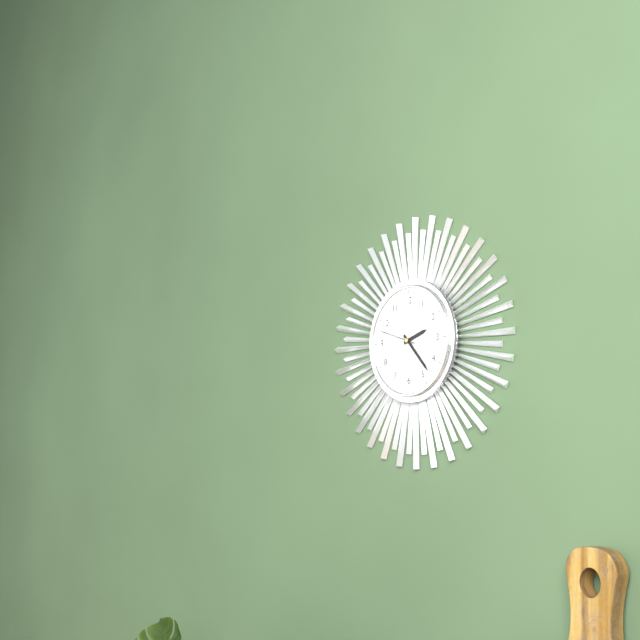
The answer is 2.23
